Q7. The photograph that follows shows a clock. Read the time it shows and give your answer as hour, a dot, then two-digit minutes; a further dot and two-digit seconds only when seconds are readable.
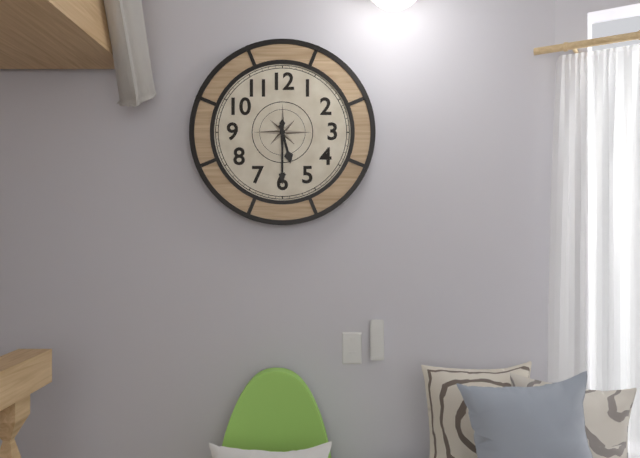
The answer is 5.30
